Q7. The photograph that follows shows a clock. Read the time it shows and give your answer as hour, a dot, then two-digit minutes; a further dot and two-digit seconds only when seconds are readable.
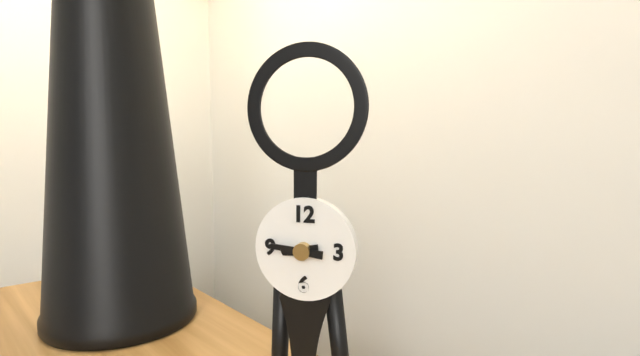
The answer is 8.46
